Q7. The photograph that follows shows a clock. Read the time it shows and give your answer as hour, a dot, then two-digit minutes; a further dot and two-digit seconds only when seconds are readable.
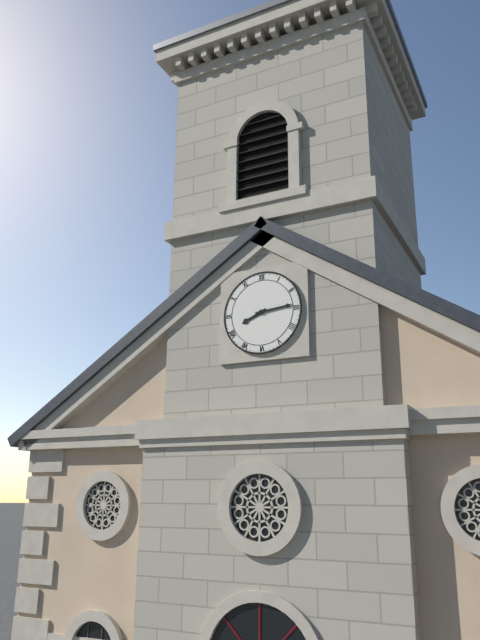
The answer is 8.14
